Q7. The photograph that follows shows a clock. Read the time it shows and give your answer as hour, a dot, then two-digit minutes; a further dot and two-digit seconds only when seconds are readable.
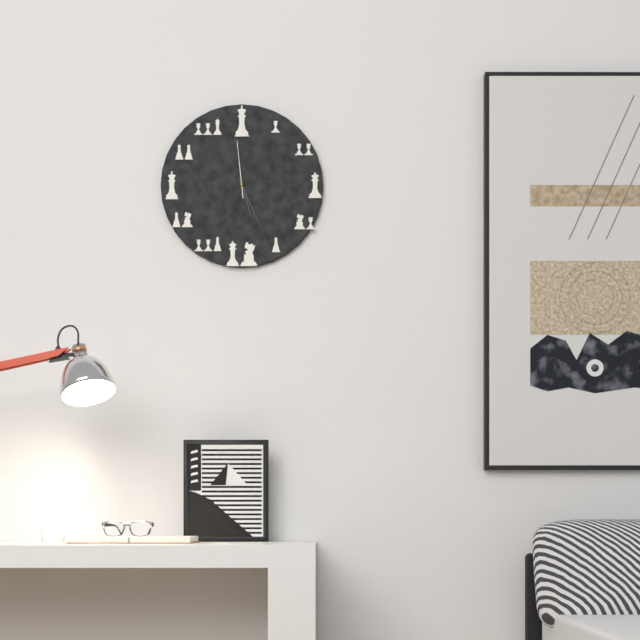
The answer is 5.26.59
